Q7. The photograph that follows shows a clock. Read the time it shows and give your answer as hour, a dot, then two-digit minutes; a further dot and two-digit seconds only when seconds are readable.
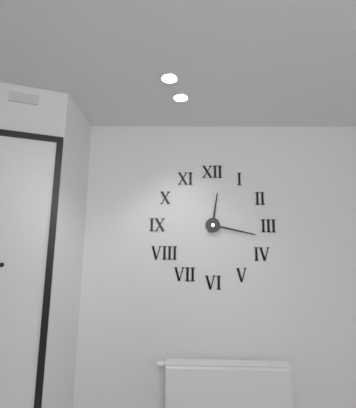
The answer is 12.17
